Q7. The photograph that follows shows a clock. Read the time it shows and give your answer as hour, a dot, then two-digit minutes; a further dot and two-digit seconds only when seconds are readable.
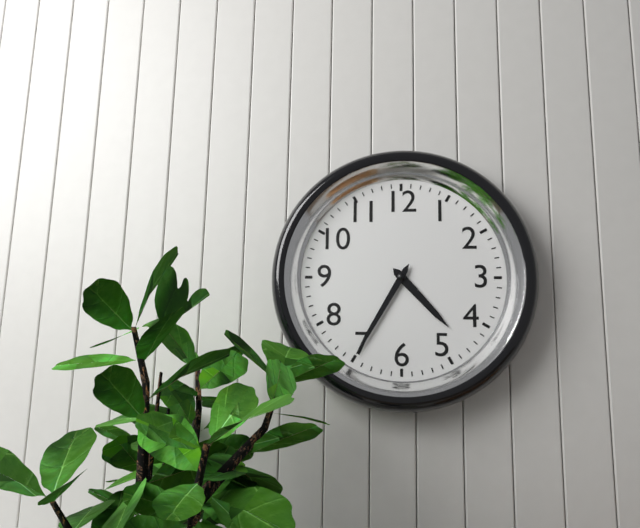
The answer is 4.35
